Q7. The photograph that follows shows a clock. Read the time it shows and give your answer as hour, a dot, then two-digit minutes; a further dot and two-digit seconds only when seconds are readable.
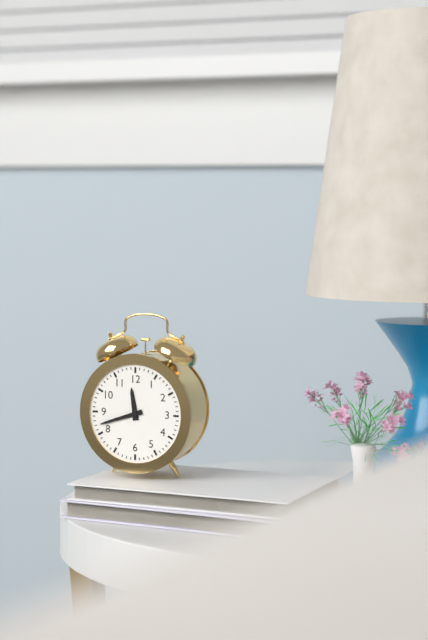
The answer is 11.42
